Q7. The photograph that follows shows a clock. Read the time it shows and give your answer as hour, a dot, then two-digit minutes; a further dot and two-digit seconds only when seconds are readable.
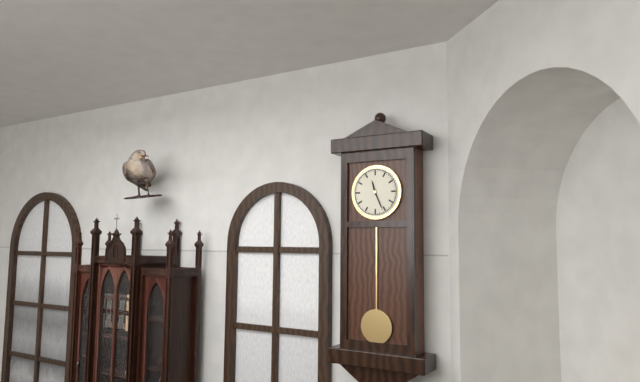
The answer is 11.26
